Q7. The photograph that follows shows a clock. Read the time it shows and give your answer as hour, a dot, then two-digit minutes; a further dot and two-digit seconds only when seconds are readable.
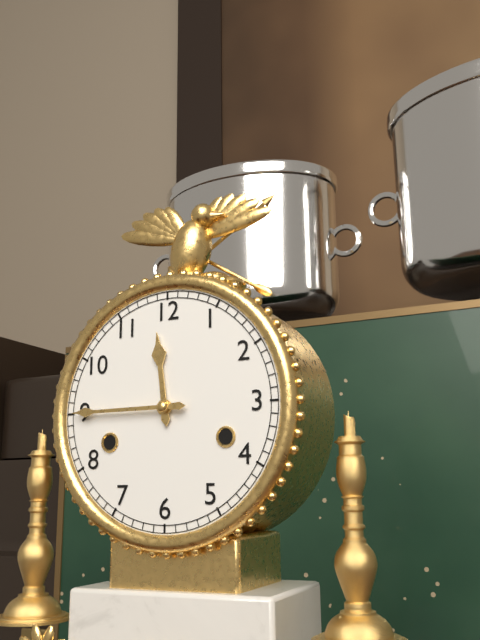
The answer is 11.45
